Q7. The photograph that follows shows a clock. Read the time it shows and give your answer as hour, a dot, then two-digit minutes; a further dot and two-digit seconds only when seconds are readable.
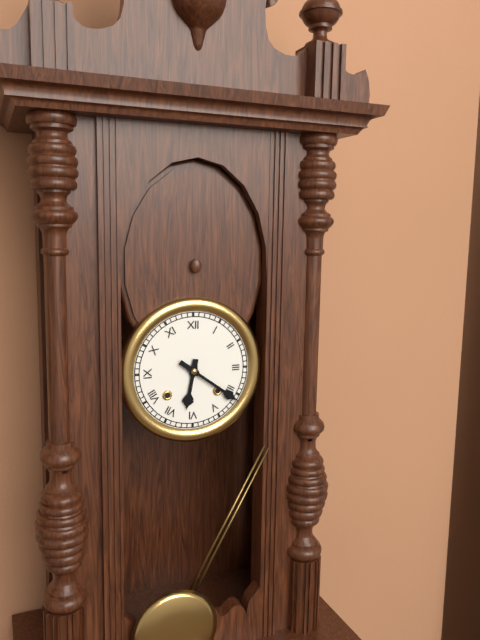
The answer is 6.21
